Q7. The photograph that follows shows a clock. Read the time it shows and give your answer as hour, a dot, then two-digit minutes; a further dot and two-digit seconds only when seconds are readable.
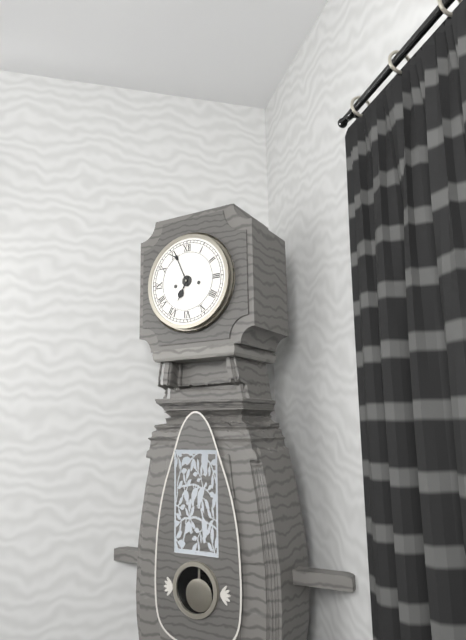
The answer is 6.56
